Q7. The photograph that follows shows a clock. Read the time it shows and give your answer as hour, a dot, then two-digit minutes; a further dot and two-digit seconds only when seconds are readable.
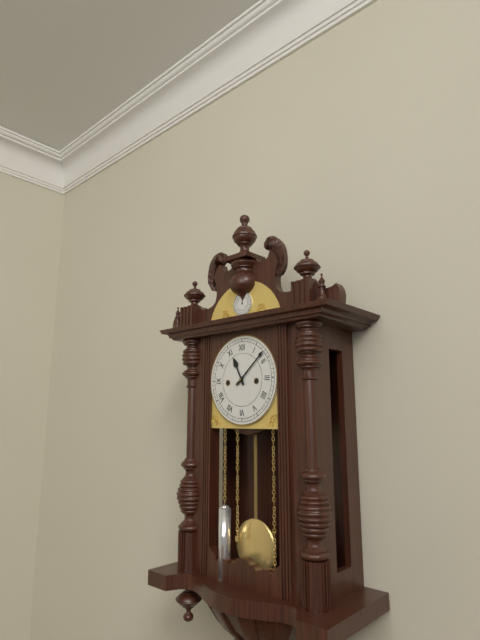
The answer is 11.08
